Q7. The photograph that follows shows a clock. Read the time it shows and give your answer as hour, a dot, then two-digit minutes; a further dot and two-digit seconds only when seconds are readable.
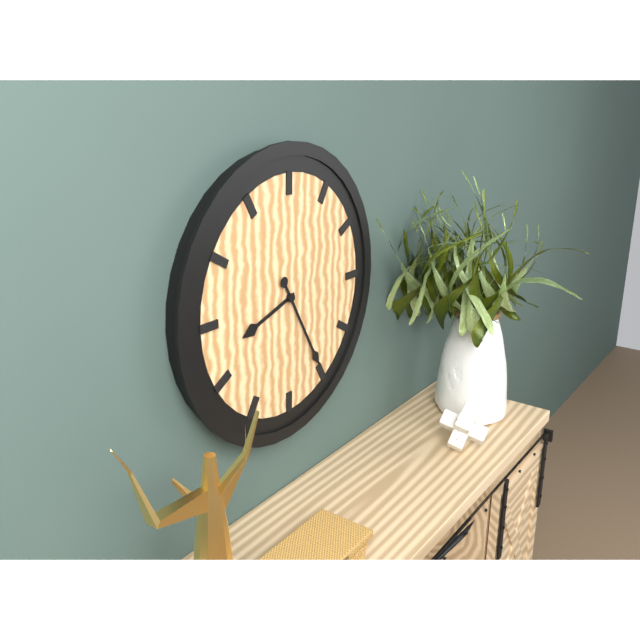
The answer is 8.25
